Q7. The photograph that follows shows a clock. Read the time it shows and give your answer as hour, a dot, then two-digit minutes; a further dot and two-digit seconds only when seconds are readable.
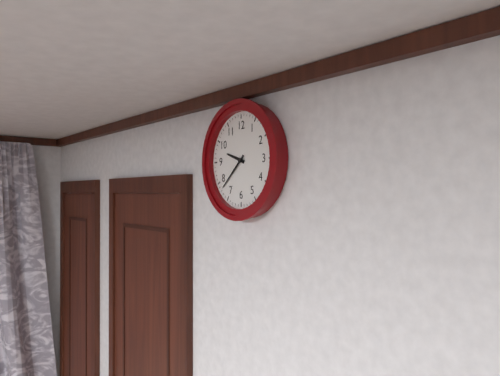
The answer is 9.38
